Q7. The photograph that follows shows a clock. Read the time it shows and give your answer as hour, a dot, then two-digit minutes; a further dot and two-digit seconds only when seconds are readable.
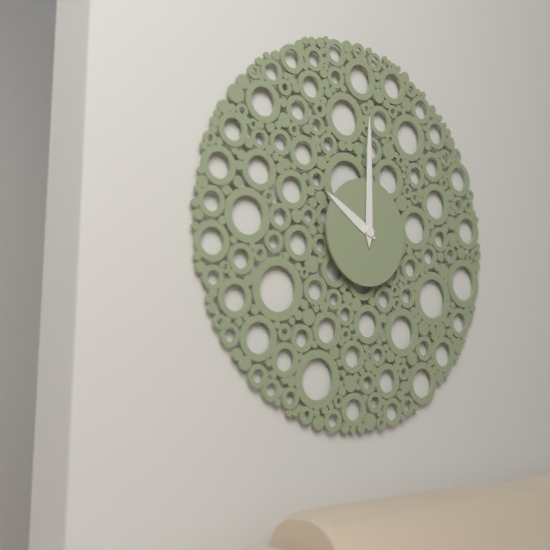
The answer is 10.00
